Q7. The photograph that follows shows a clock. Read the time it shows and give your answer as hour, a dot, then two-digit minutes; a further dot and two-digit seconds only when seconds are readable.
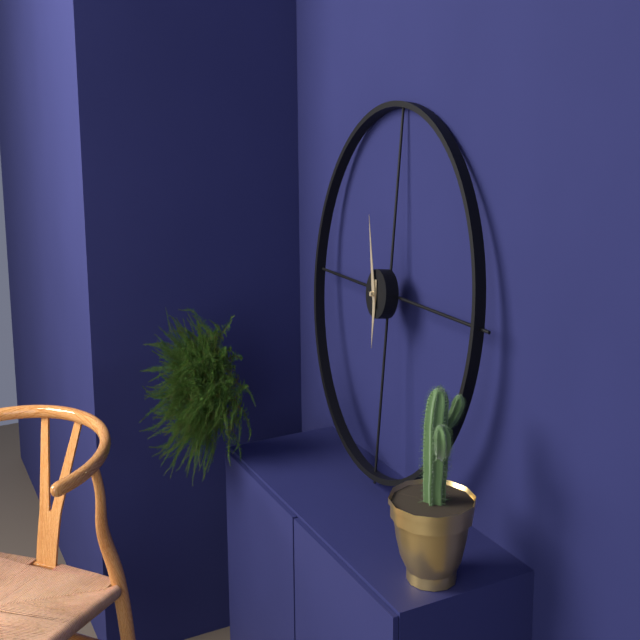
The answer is 5.57
